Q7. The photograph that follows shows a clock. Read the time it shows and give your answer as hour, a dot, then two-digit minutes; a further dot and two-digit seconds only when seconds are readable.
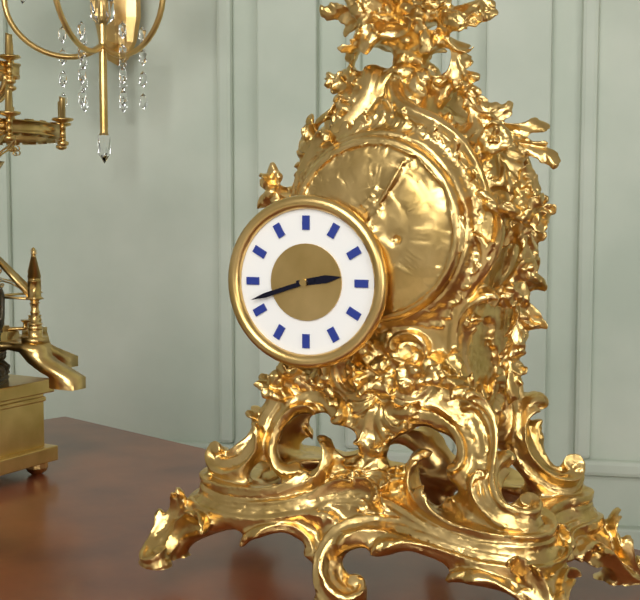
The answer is 2.42
